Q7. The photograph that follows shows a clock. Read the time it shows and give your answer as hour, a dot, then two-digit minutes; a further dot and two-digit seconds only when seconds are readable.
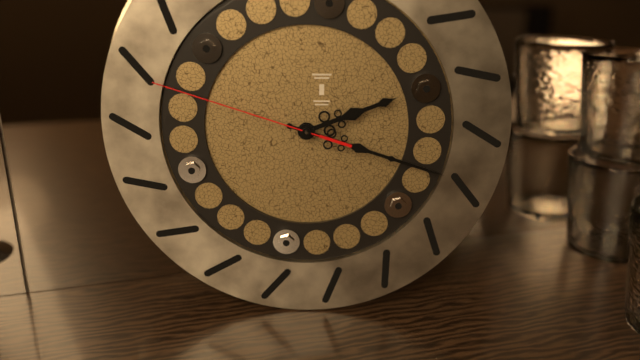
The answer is 2.18.48
